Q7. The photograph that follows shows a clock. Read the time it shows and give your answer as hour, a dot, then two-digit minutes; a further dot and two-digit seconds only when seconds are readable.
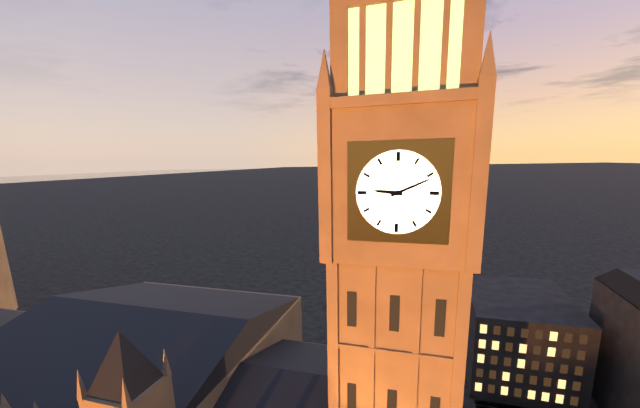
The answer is 9.11
